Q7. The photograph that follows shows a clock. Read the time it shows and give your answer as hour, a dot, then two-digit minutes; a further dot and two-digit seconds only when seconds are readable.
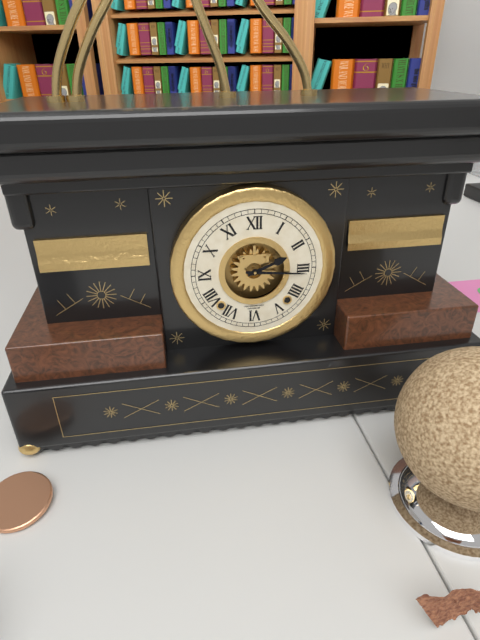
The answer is 2.16
